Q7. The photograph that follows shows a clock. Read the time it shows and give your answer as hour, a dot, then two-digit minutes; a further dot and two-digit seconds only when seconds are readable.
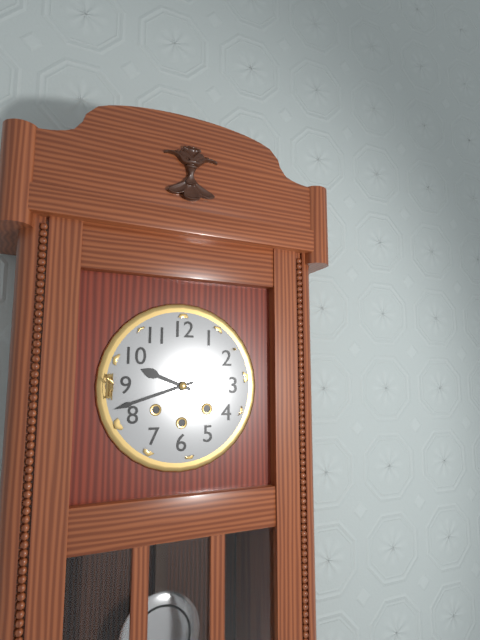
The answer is 9.42
